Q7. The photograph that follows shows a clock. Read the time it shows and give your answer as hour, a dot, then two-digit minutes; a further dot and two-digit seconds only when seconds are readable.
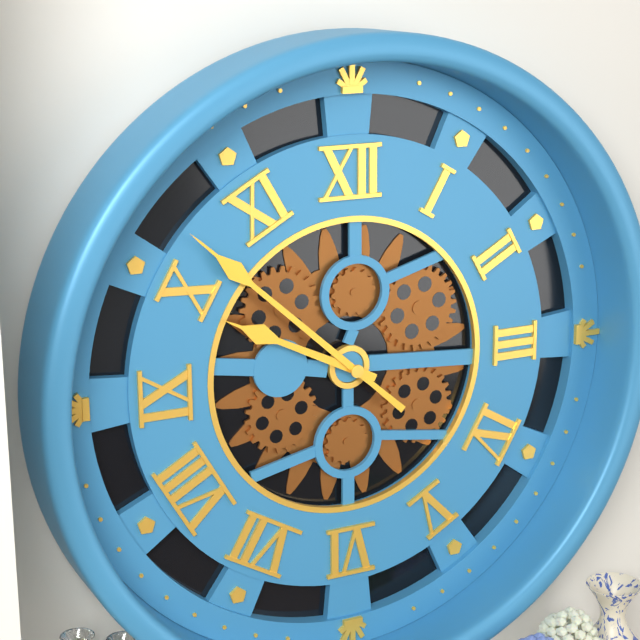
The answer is 9.52
